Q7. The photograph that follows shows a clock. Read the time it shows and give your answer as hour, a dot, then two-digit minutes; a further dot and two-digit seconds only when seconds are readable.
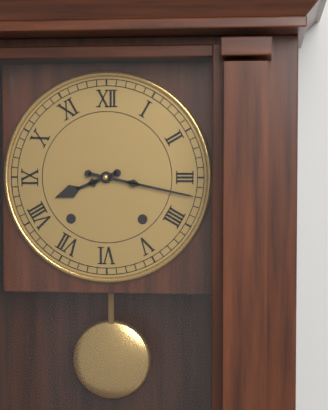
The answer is 8.17
